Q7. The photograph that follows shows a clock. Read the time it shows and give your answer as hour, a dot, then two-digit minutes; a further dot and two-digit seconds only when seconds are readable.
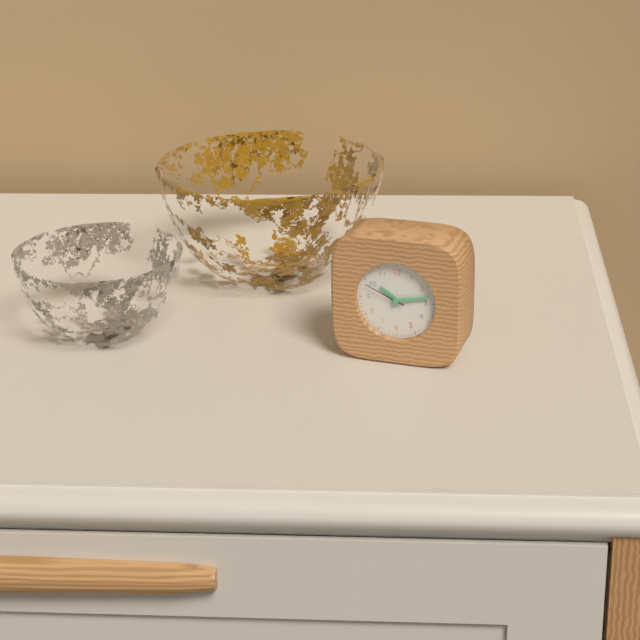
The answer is 10.13
